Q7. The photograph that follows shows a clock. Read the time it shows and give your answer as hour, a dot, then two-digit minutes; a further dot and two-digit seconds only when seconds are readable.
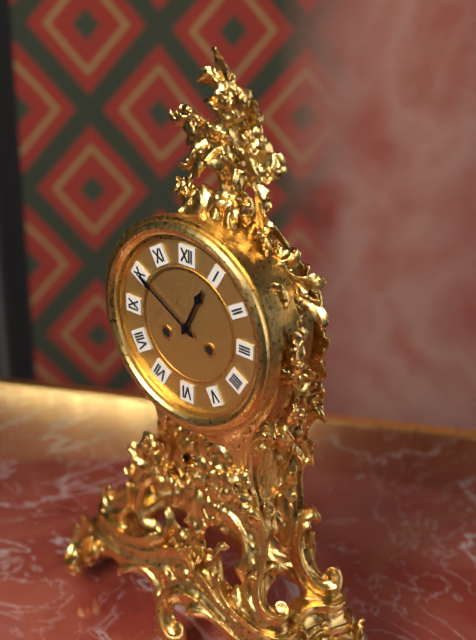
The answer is 12.50
